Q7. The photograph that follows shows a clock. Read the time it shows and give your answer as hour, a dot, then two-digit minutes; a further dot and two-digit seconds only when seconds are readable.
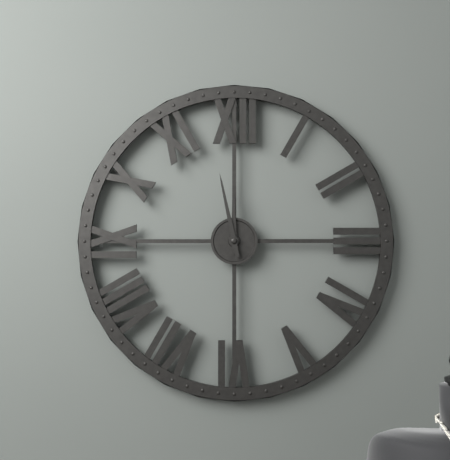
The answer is 11.58
